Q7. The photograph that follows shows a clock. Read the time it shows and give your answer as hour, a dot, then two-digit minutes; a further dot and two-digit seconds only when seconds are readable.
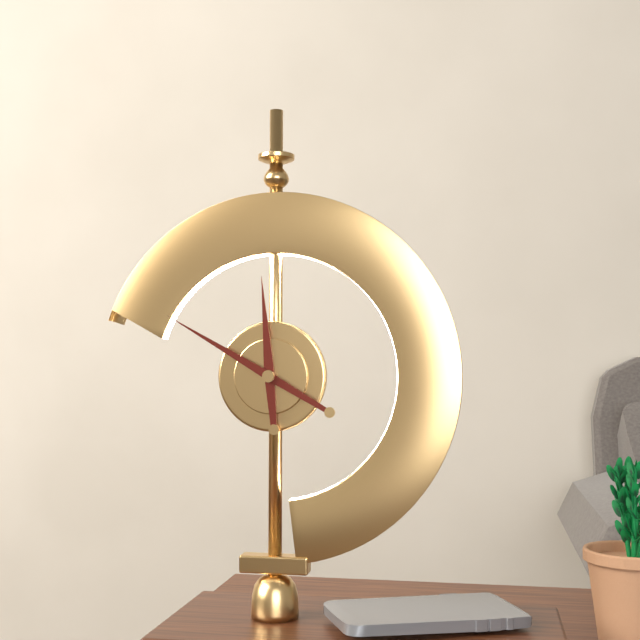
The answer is 11.50
